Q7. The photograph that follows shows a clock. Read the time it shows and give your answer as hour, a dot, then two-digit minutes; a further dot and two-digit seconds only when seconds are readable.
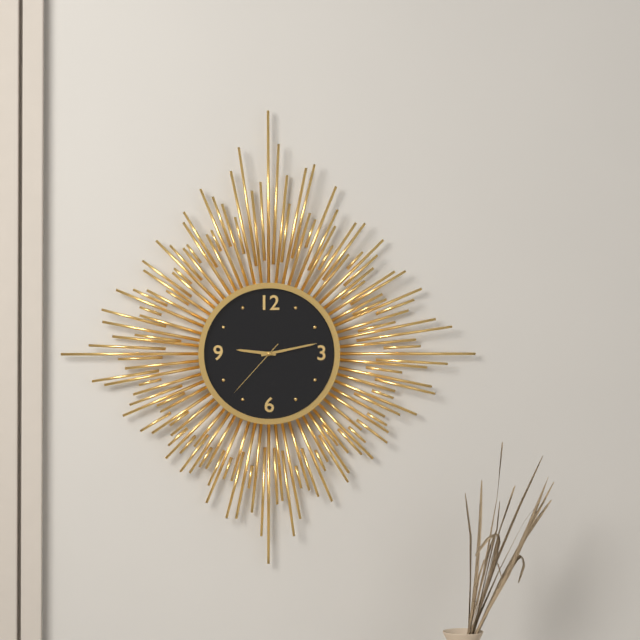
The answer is 9.13.37
